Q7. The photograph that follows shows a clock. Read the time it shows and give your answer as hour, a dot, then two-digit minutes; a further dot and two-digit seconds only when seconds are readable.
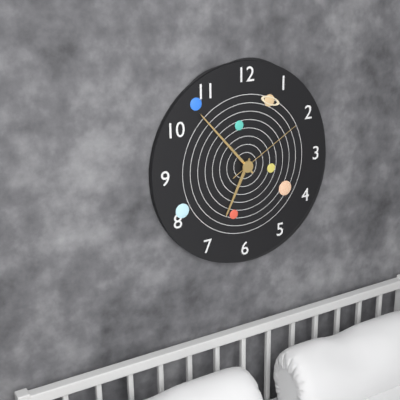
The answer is 6.53.10
